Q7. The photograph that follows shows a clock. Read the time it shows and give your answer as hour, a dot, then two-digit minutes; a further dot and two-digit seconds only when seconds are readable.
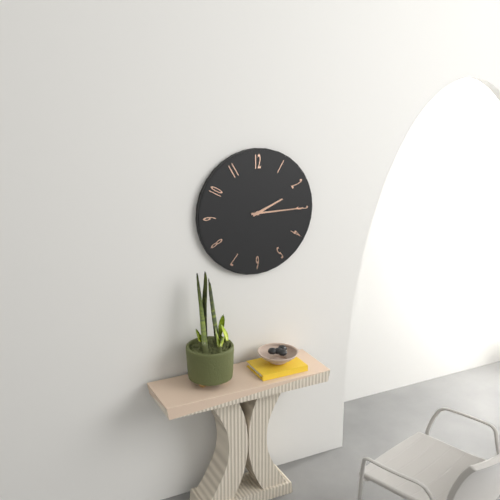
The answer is 2.15
